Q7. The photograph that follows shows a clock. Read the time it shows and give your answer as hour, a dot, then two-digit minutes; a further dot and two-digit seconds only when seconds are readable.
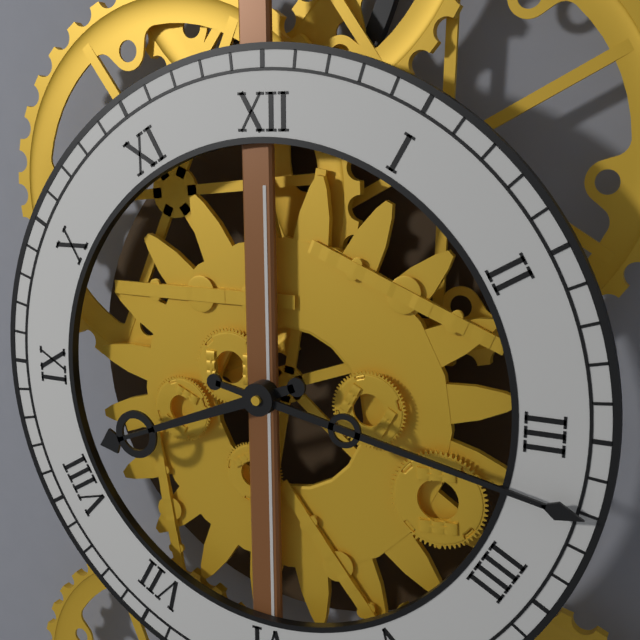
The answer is 8.17
